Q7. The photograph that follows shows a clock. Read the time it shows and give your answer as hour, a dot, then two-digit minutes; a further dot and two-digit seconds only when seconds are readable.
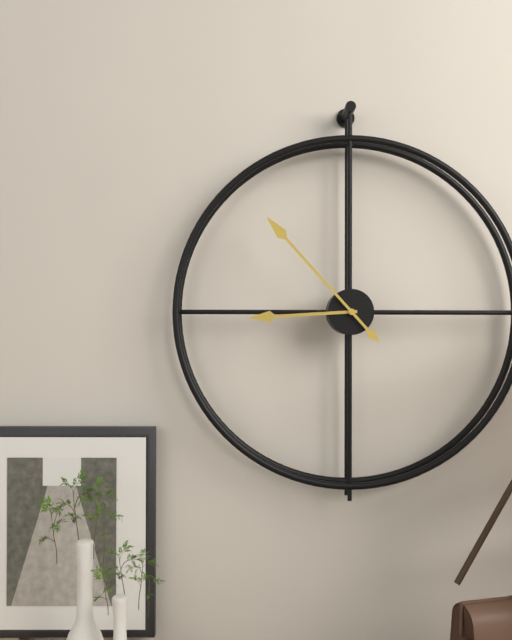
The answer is 8.53
